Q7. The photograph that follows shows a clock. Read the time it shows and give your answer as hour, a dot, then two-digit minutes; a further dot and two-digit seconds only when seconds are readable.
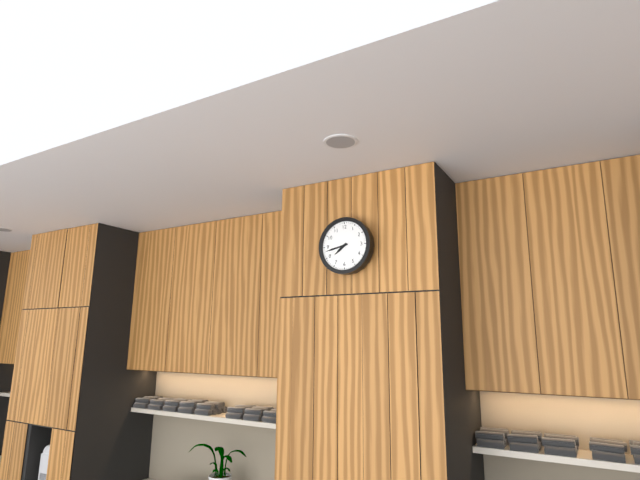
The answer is 7.43
